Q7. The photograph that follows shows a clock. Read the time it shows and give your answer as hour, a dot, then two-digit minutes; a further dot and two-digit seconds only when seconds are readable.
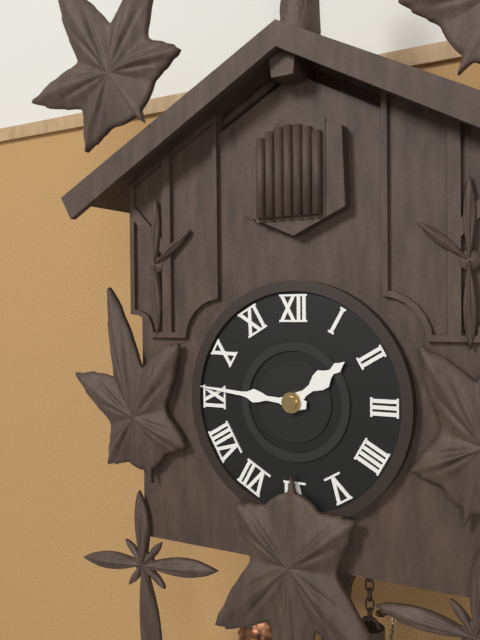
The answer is 1.46
